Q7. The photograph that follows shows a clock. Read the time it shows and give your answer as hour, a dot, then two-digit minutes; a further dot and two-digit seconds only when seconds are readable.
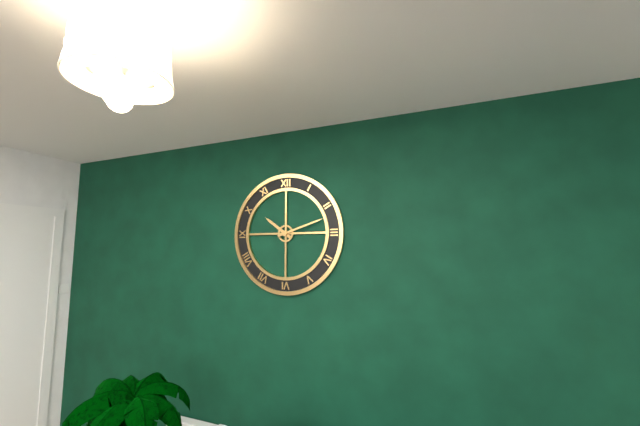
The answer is 10.12
